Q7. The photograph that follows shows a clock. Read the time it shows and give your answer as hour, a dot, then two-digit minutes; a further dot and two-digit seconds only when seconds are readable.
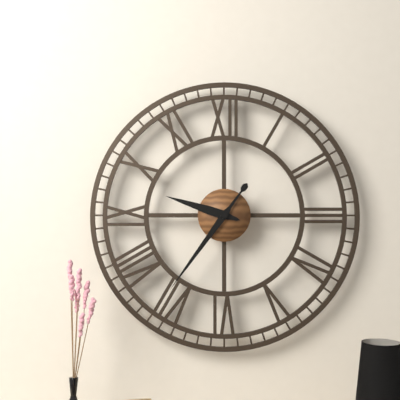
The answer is 9.36
